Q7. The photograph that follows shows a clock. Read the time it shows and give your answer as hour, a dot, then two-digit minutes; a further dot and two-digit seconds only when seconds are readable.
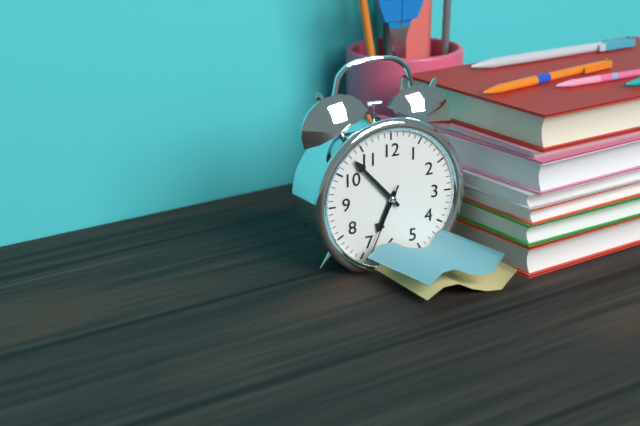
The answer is 6.53.34
